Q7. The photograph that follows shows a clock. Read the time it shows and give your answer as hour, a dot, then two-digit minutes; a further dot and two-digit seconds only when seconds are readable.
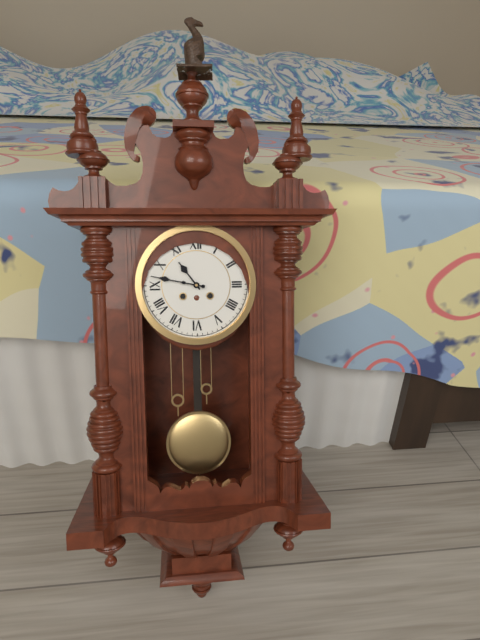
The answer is 10.47
